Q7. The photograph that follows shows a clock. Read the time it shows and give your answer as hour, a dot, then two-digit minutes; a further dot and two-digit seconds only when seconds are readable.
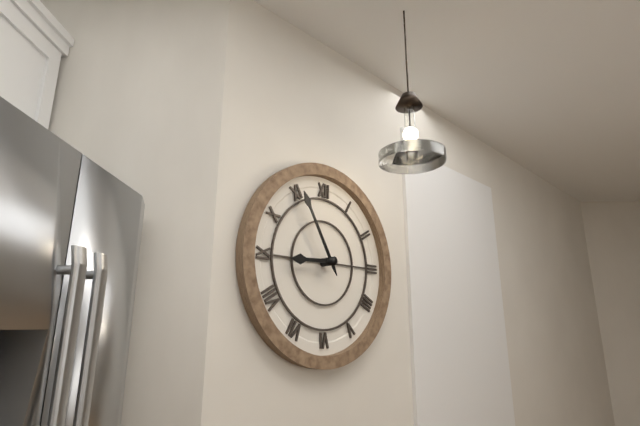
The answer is 8.55
